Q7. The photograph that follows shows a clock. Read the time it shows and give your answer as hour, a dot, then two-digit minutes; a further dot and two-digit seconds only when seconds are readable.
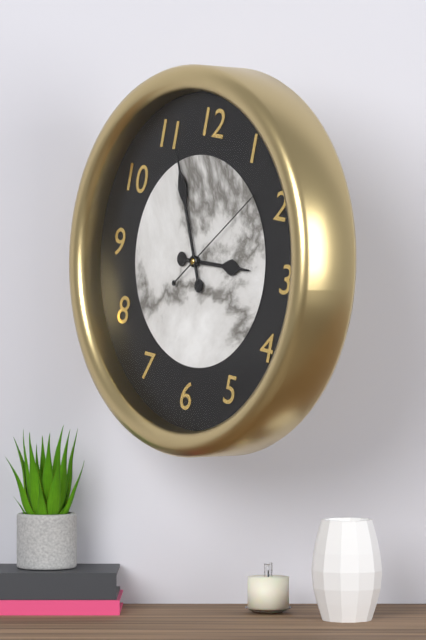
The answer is 2.56.08
